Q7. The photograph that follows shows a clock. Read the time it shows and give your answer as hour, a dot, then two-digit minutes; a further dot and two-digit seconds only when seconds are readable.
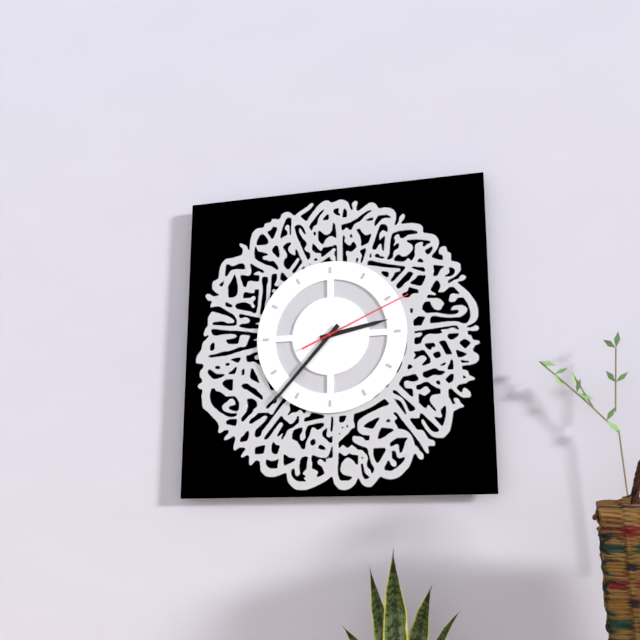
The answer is 2.37.11
